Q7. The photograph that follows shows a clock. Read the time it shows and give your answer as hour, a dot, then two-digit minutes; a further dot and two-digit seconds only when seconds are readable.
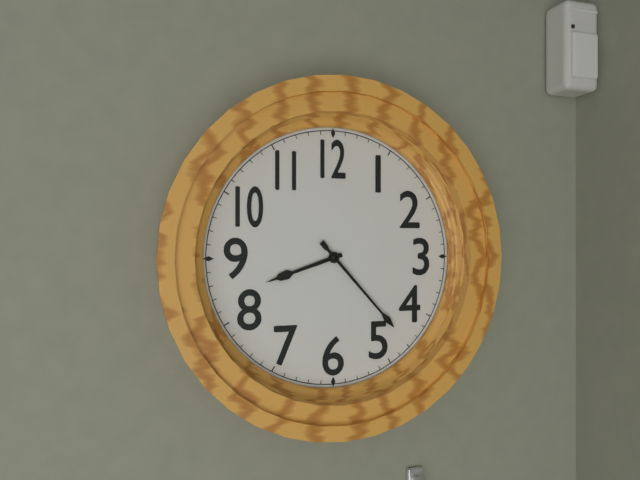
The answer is 8.23
